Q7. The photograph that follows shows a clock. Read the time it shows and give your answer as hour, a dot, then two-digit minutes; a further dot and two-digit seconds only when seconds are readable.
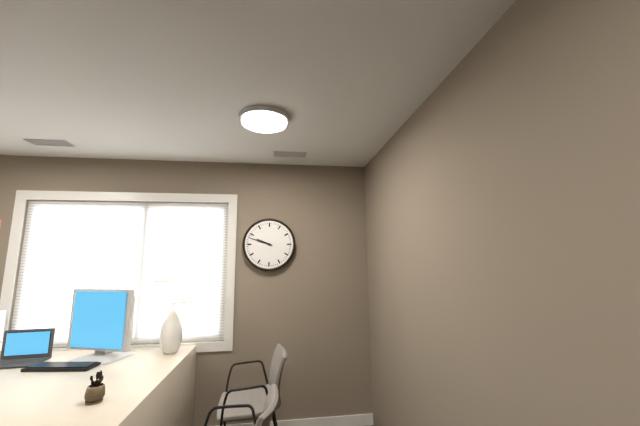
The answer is 9.48
